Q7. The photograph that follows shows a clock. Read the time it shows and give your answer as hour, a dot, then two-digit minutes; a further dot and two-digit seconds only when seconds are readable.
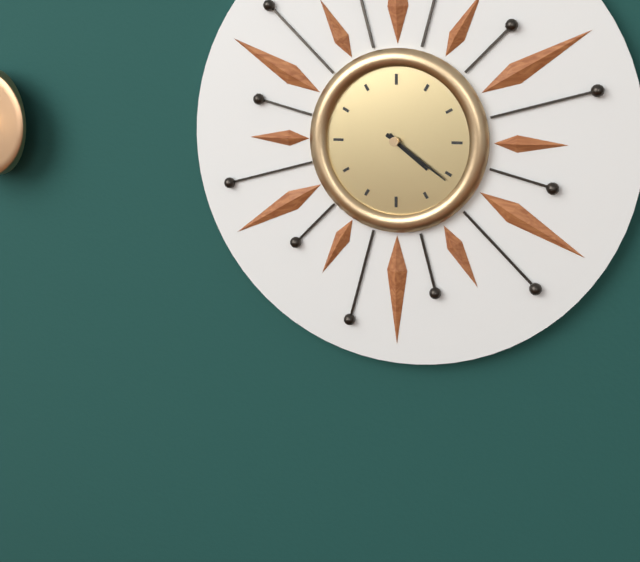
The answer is 4.21
